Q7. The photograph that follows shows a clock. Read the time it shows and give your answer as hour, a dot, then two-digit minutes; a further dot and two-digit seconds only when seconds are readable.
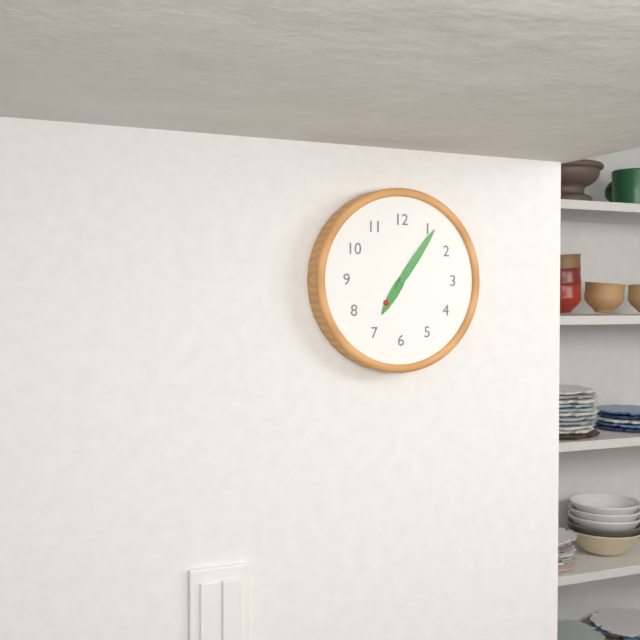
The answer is 7.06
